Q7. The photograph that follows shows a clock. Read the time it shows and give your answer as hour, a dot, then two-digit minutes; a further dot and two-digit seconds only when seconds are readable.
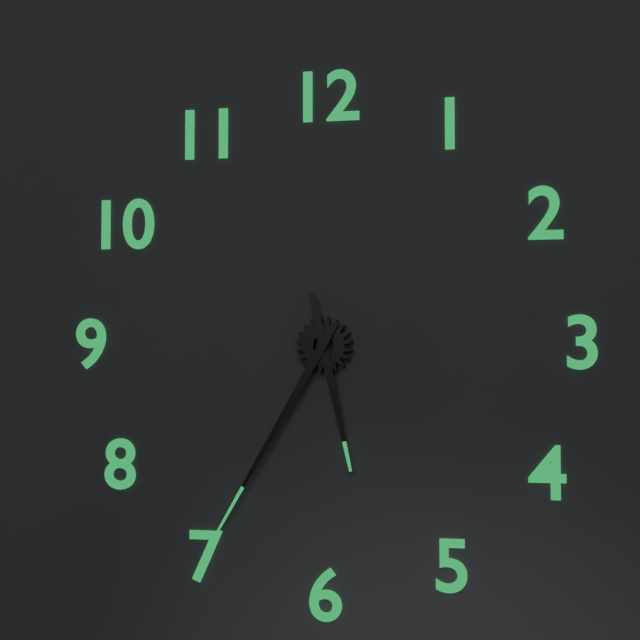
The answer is 5.35
